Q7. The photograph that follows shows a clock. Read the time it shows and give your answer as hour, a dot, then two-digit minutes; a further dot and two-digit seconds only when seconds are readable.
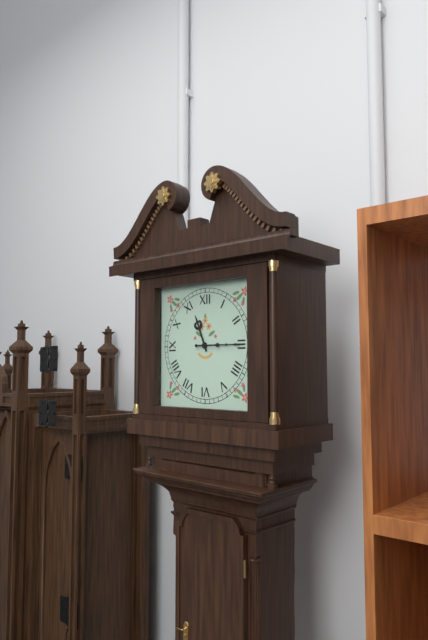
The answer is 11.15
